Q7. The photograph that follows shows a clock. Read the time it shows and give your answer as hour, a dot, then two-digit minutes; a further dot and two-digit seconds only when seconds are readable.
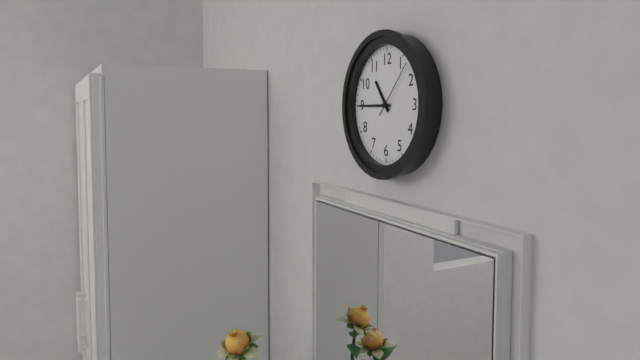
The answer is 10.45.07
